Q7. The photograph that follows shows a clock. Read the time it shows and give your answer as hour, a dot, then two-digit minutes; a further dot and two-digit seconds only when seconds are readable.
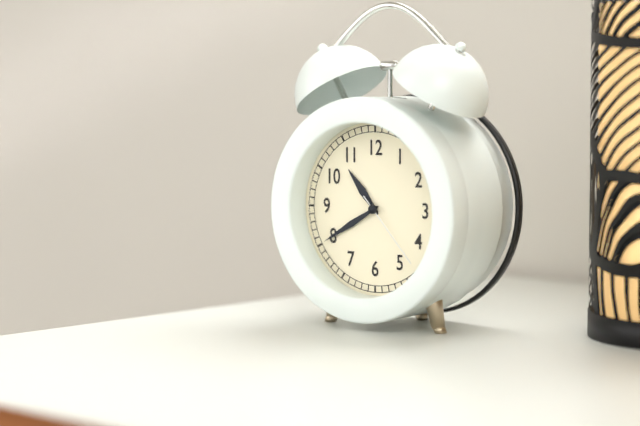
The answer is 10.40.23
